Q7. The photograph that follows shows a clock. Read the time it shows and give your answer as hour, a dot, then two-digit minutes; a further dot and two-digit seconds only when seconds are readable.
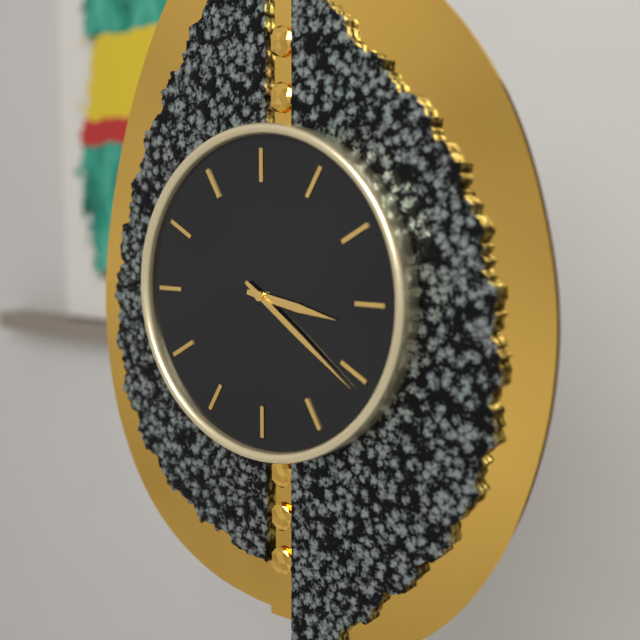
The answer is 3.21
